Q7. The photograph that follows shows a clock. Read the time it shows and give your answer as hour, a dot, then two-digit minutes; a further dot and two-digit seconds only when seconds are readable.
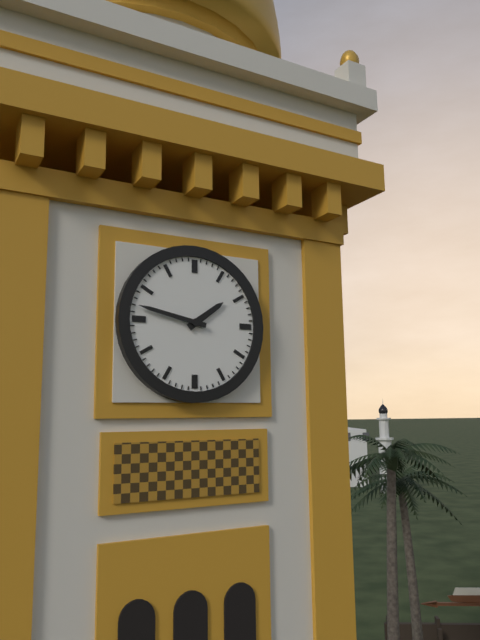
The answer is 1.47
